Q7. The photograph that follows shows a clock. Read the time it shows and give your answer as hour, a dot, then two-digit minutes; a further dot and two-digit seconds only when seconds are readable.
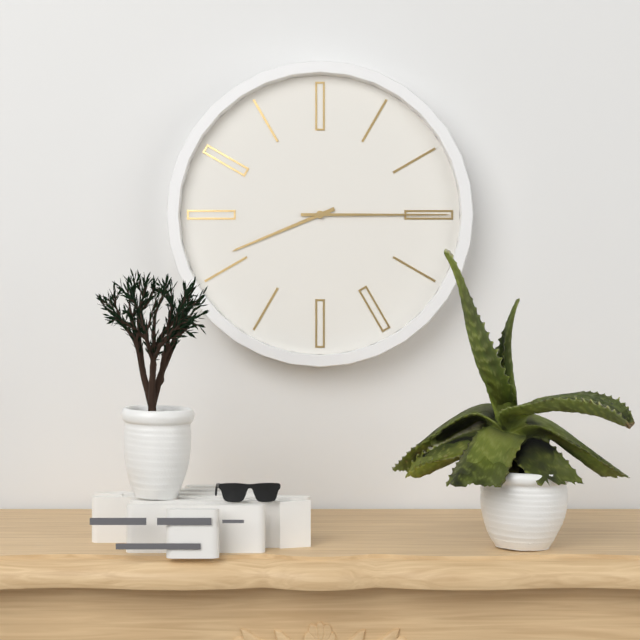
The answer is 8.15
